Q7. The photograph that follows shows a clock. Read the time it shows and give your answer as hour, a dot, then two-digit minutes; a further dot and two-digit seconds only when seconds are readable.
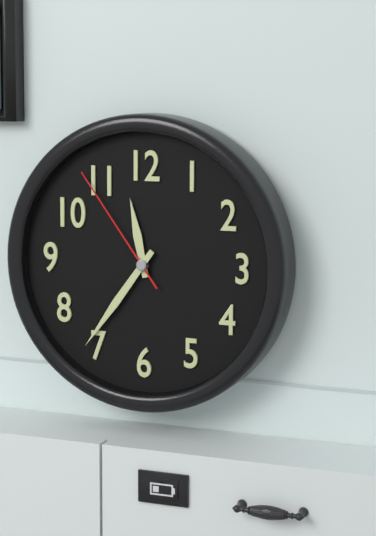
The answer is 11.36.54
